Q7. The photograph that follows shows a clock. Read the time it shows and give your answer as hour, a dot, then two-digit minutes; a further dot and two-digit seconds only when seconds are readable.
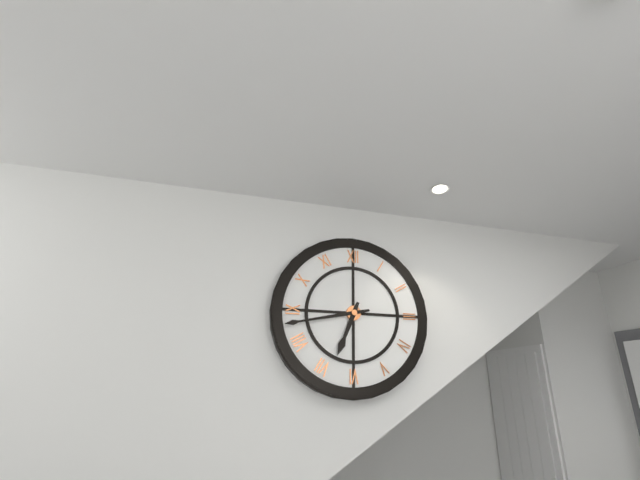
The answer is 6.43
